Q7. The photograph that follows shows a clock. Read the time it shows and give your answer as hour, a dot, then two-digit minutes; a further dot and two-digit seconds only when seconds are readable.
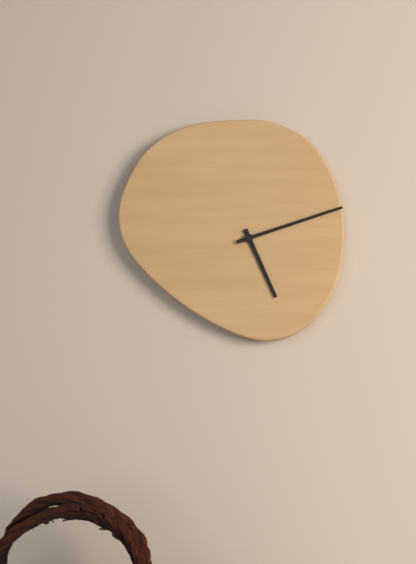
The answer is 5.12
